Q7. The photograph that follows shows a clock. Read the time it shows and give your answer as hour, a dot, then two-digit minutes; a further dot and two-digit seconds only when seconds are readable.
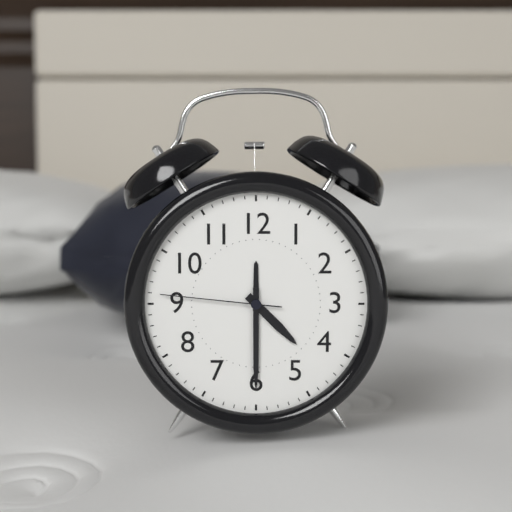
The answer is 4.30.46
